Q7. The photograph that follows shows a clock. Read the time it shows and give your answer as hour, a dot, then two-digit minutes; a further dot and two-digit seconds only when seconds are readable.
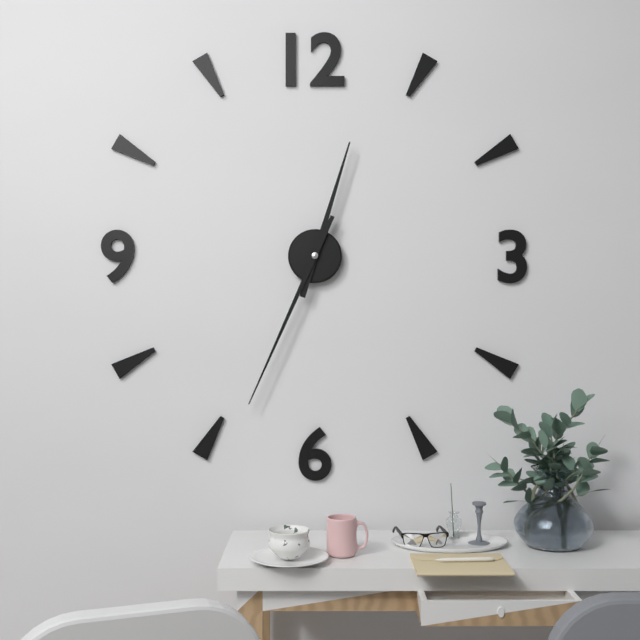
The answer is 12.34
